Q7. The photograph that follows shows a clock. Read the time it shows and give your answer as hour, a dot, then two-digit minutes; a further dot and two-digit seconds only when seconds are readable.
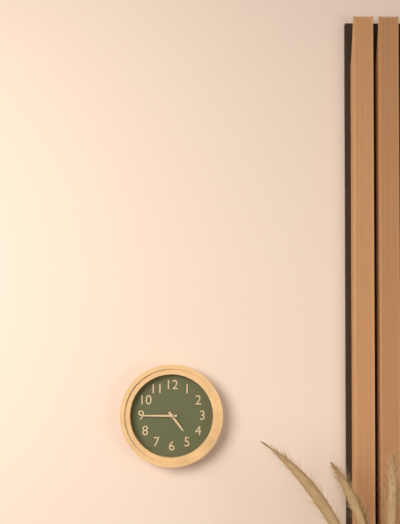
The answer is 4.45
